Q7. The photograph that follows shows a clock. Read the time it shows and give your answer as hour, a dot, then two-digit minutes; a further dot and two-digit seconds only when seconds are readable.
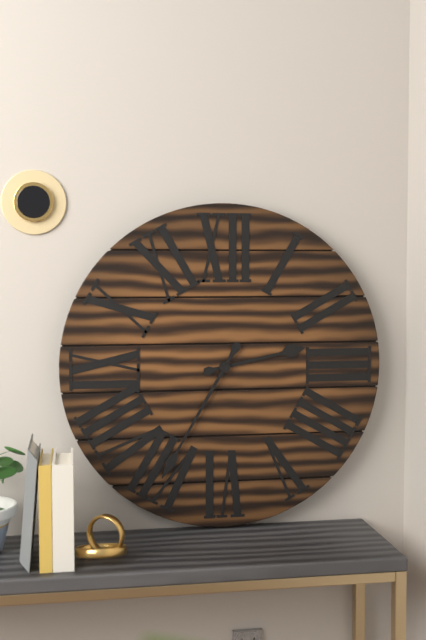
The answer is 2.35
